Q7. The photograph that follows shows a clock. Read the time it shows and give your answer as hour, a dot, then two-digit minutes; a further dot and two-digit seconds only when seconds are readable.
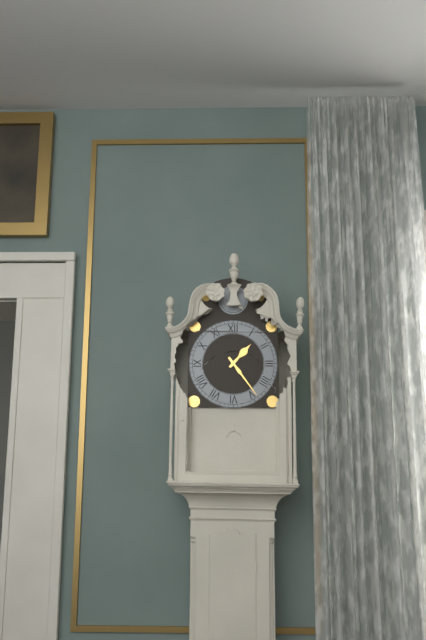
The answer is 1.24
